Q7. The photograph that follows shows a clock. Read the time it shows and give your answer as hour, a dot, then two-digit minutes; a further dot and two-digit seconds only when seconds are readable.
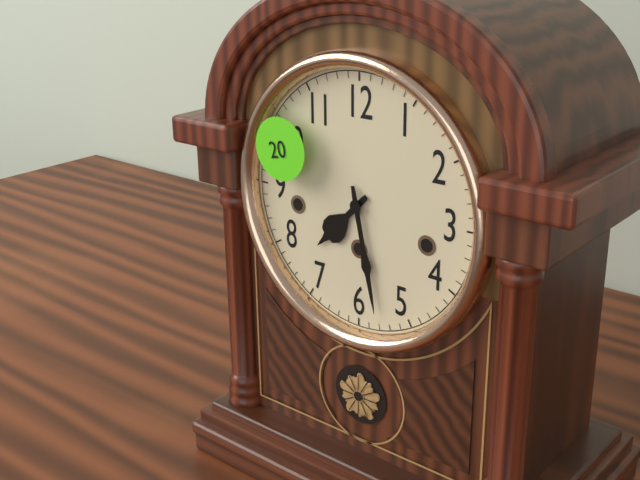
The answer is 7.28
